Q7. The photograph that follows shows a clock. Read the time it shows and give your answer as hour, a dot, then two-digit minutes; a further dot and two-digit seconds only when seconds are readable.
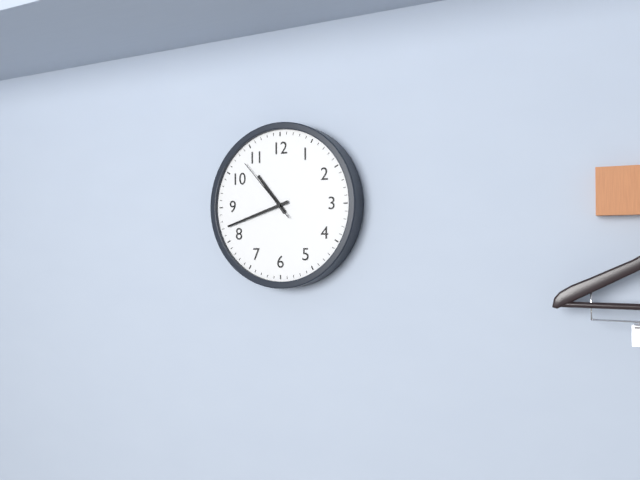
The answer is 10.42.53
